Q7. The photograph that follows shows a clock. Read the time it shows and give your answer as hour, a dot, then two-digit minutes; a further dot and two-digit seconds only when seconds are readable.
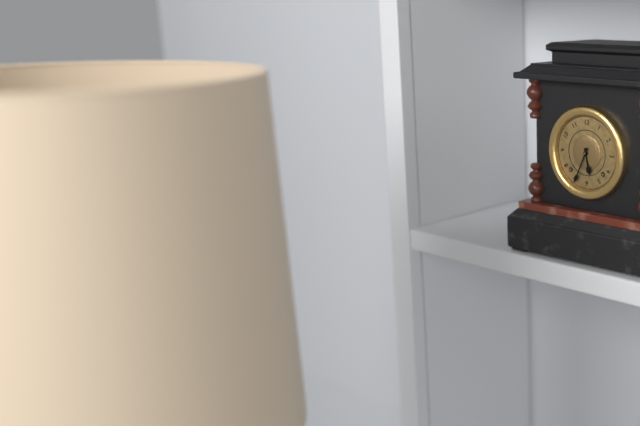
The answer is 5.34
